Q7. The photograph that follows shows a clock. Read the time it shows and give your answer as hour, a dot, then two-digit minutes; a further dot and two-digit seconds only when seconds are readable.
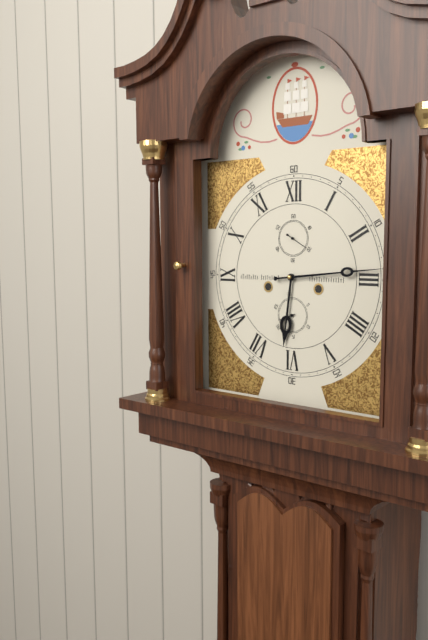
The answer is 6.14
